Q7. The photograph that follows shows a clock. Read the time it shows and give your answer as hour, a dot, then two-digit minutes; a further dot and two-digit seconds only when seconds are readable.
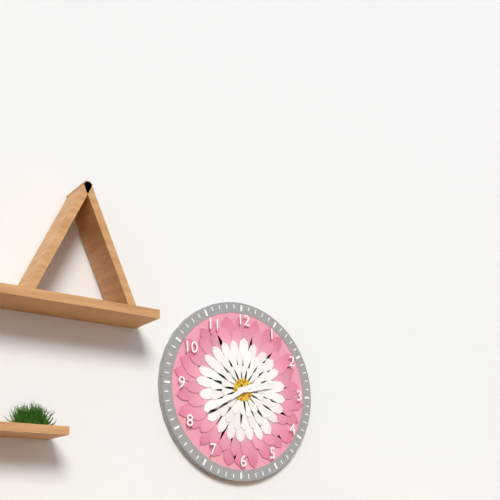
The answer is 2.40
